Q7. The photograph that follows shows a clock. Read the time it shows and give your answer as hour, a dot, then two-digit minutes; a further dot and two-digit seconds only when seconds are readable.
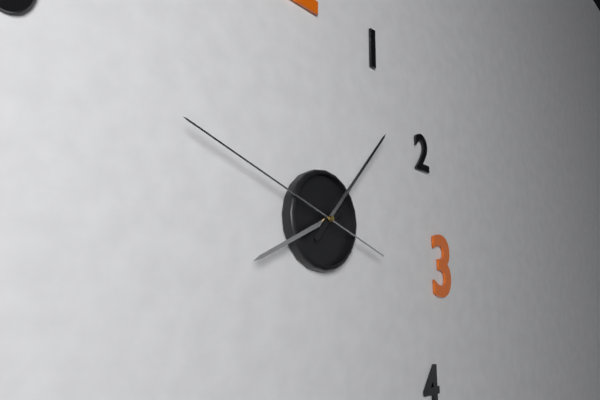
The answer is 8.07.48
